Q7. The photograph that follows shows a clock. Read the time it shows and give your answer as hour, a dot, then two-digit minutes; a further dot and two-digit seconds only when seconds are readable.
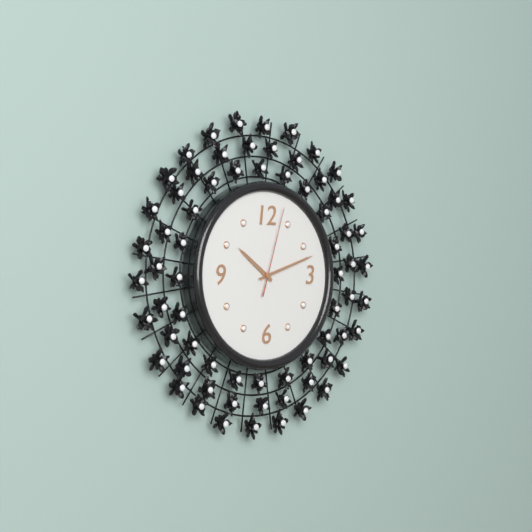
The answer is 10.12.03
